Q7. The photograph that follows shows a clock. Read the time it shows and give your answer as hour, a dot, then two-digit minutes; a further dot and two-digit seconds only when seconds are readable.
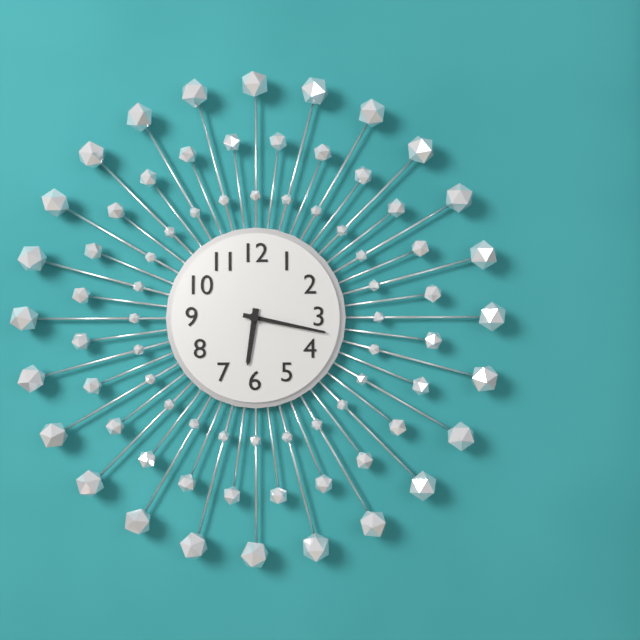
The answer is 6.17
